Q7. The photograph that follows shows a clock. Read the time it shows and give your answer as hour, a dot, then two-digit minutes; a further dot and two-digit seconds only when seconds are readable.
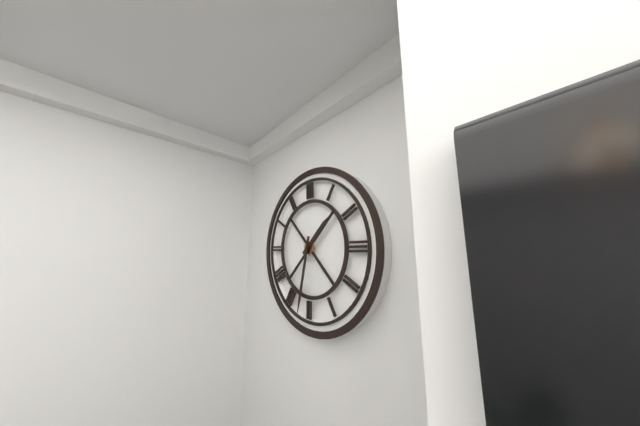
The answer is 1.32
